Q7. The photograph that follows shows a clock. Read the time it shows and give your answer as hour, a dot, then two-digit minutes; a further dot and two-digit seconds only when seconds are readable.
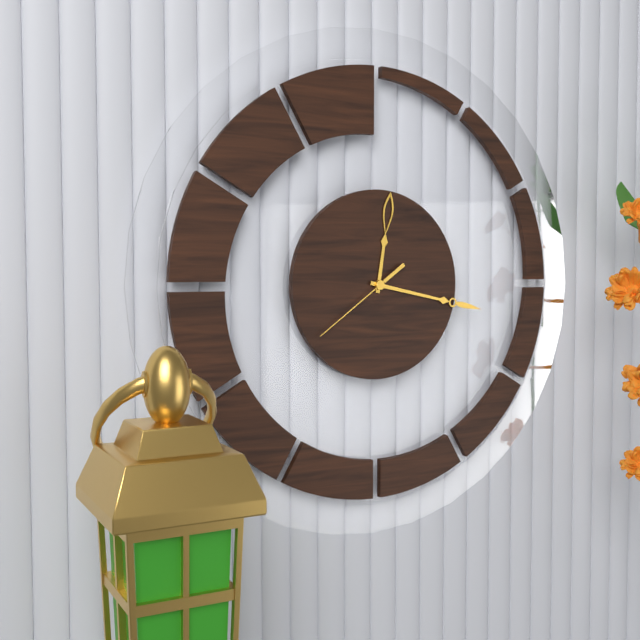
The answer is 12.17.39
